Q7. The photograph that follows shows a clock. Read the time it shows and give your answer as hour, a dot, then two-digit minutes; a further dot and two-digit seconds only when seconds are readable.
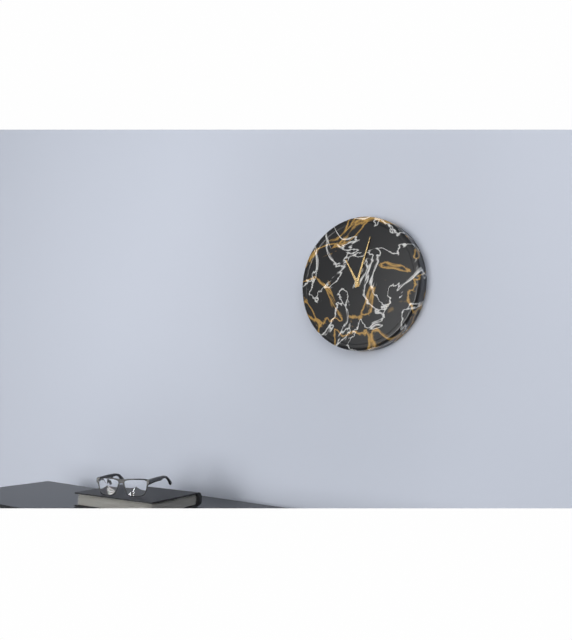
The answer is 11.03
